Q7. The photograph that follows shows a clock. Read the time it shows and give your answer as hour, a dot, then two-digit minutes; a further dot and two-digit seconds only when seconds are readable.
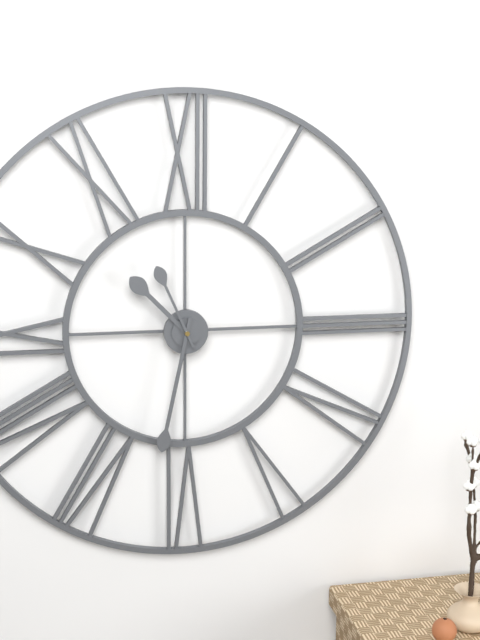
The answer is 10.32.56
